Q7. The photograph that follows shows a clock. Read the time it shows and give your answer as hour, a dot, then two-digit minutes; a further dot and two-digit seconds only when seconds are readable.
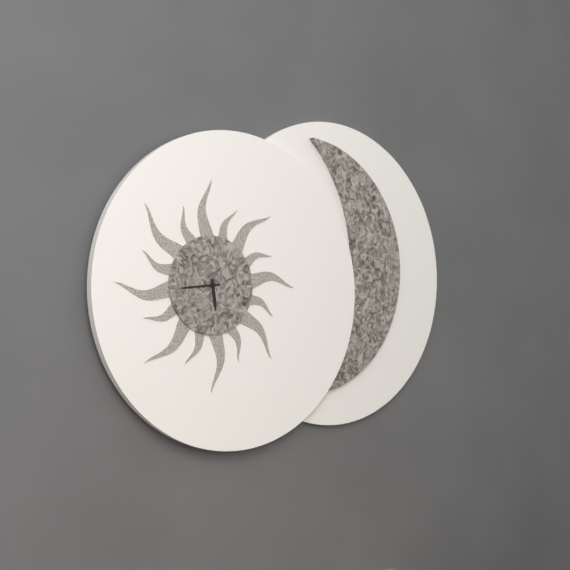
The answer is 5.44
